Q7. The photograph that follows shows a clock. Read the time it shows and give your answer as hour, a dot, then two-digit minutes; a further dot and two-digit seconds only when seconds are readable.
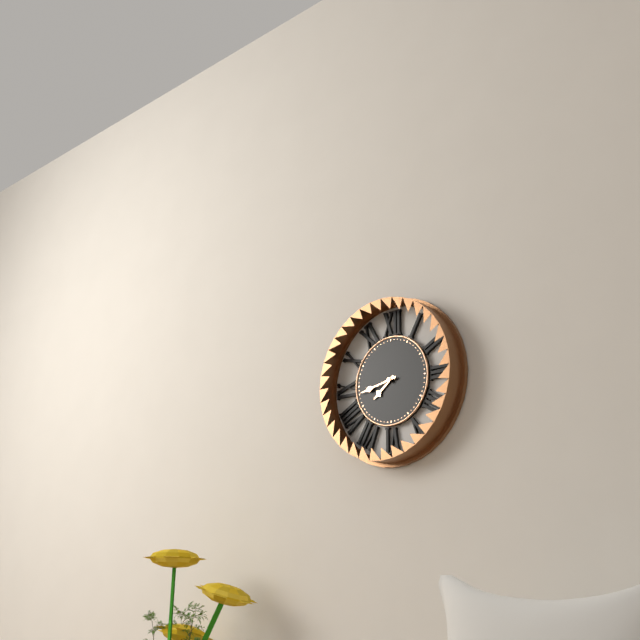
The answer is 7.43
